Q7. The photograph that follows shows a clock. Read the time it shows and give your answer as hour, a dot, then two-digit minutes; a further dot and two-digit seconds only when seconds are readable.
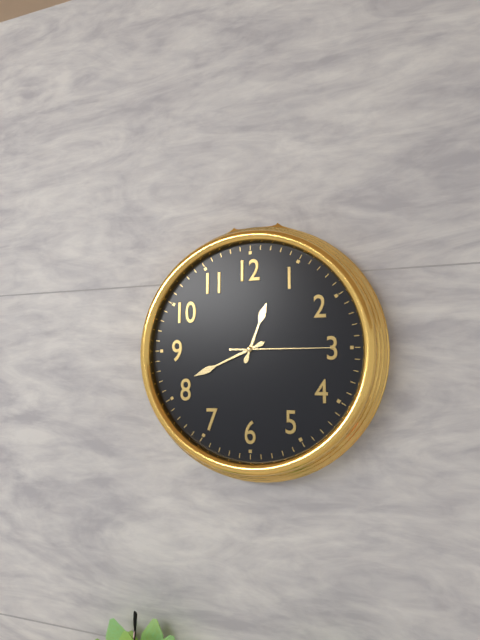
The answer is 12.41.15
